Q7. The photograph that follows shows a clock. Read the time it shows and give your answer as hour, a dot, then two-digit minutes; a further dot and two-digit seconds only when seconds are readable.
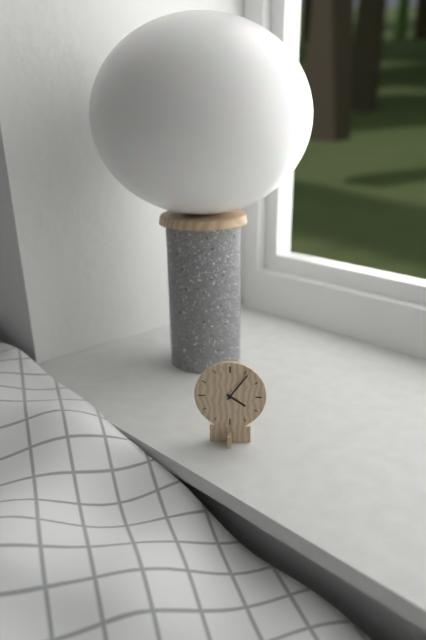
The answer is 4.06
